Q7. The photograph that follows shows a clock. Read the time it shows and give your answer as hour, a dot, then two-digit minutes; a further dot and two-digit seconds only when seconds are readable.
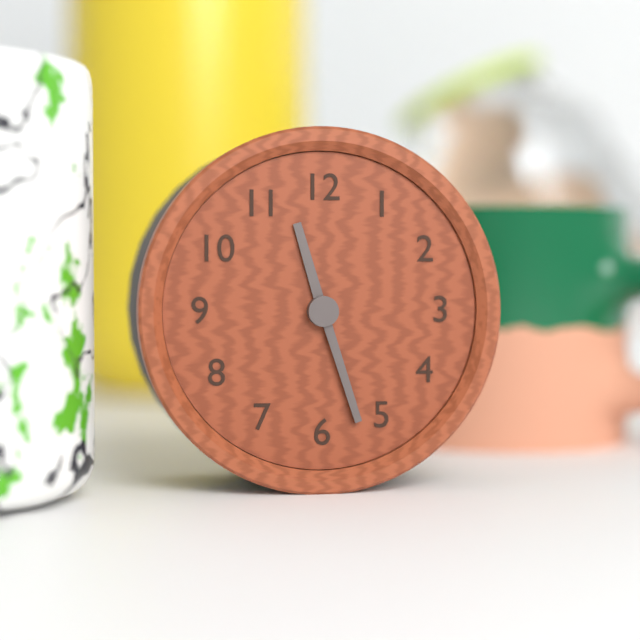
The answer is 11.27
